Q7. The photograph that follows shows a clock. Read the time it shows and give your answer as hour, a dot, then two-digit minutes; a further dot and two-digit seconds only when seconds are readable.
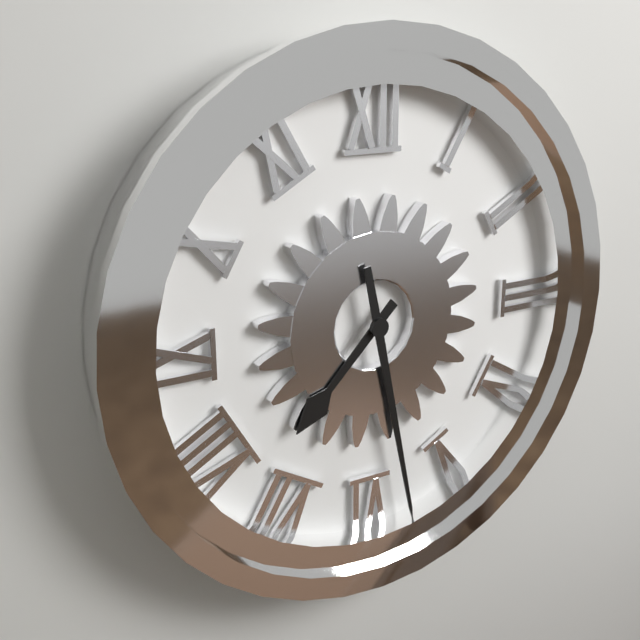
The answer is 7.28
